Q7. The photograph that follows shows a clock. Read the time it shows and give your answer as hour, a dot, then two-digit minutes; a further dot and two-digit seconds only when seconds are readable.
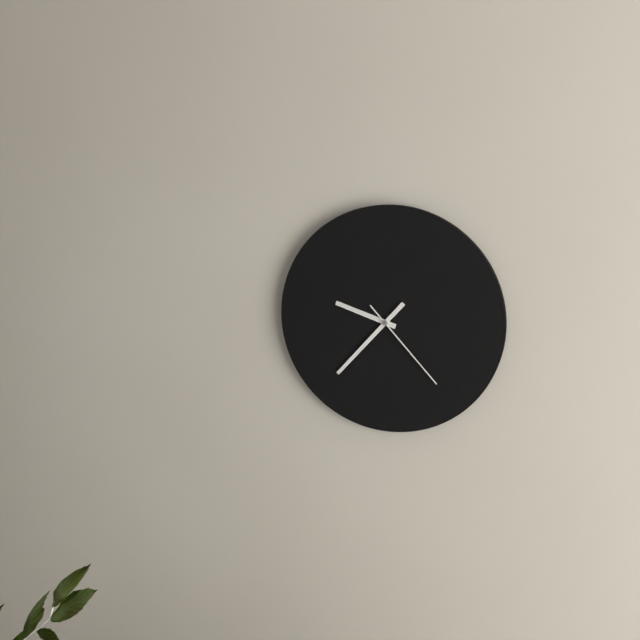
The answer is 9.37.23
